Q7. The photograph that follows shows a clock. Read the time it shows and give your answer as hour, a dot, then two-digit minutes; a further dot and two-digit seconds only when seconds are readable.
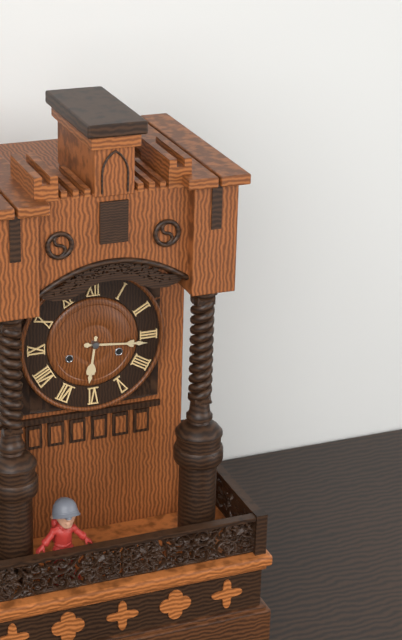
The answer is 6.16
